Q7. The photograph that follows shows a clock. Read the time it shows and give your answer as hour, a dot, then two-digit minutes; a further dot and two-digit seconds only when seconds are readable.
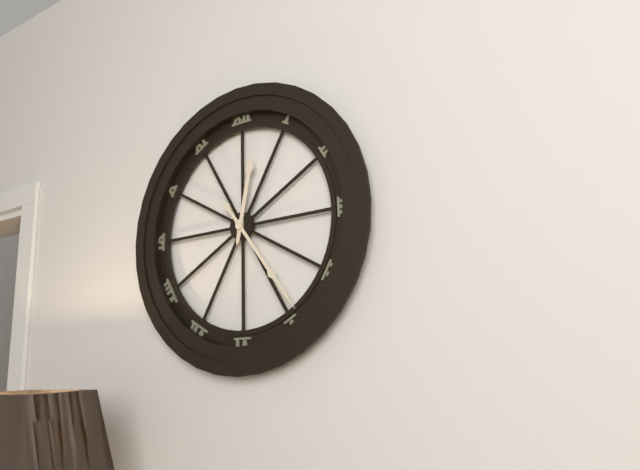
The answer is 12.24
